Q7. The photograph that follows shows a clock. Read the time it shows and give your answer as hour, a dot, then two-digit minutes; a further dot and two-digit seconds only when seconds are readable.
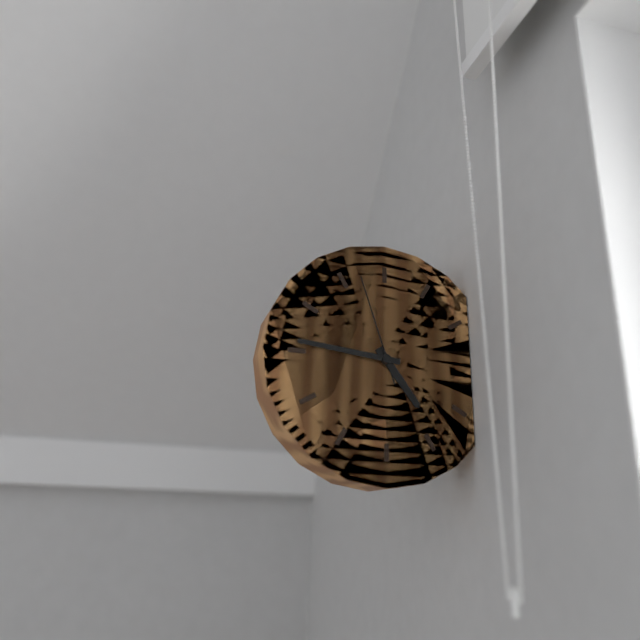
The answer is 4.46.57
